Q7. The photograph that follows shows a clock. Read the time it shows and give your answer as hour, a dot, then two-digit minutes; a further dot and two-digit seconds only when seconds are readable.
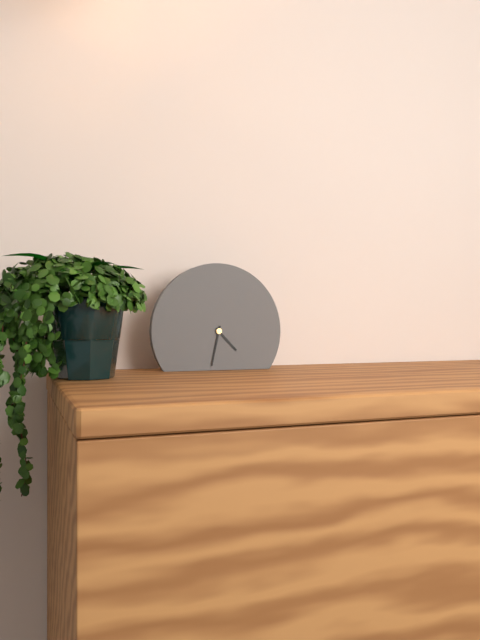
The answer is 4.32
